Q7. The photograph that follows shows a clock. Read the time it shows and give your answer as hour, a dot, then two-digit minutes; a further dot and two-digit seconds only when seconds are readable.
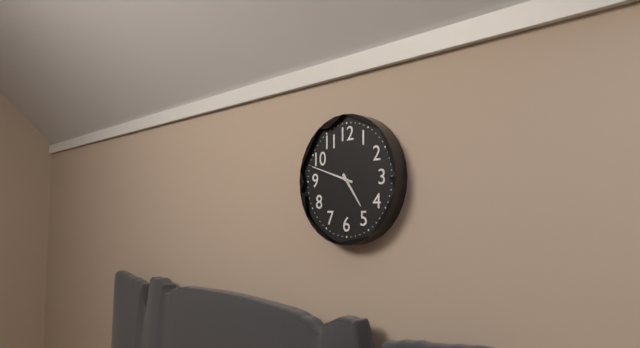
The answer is 4.48
